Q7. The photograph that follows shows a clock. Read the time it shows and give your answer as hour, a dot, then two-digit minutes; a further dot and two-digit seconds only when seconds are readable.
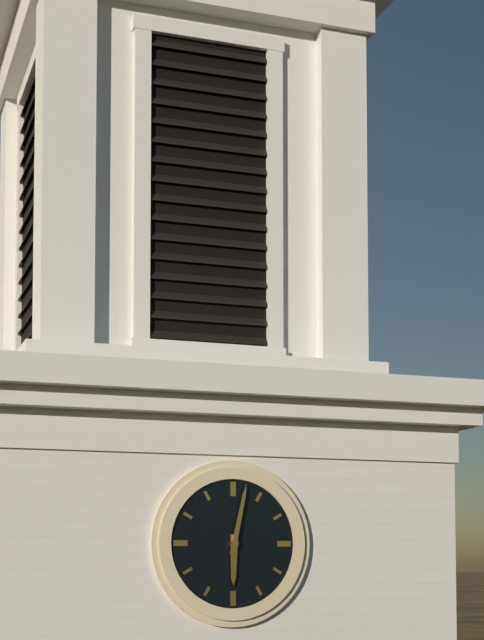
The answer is 6.02
